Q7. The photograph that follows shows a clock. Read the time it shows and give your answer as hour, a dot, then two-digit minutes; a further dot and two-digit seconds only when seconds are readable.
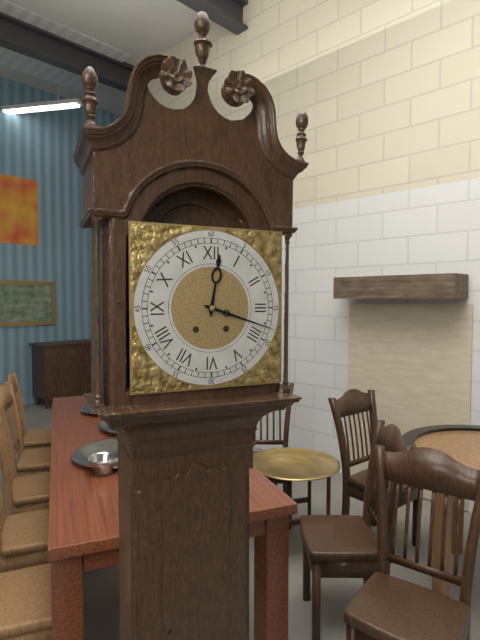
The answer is 12.18
